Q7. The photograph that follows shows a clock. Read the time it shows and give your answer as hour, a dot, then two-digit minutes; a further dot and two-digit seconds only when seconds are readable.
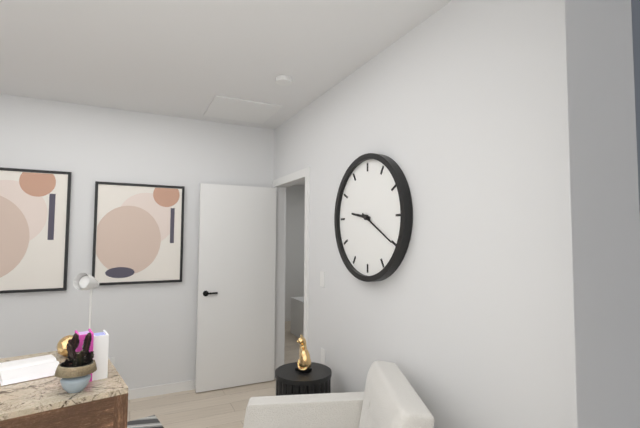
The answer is 9.20
